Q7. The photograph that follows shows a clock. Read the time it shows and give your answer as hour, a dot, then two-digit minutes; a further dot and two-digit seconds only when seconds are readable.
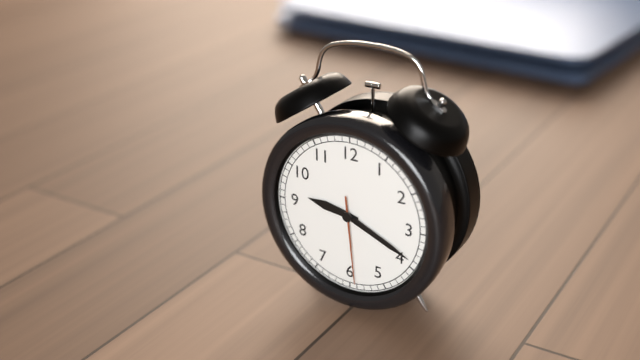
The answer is 9.19.29
